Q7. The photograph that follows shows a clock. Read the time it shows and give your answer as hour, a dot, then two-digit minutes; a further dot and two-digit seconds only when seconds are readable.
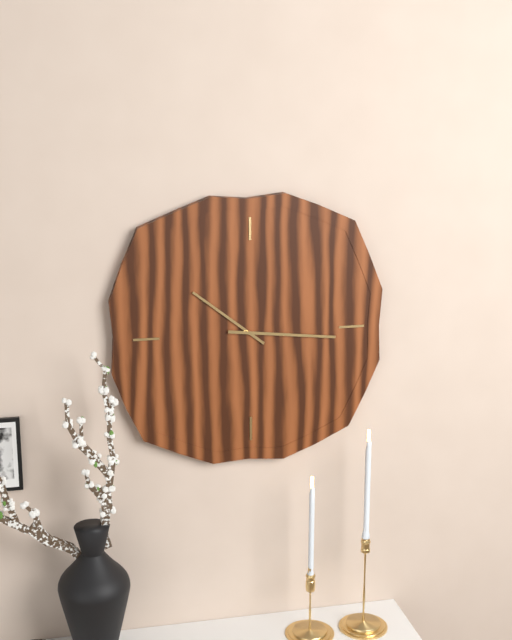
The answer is 10.16
